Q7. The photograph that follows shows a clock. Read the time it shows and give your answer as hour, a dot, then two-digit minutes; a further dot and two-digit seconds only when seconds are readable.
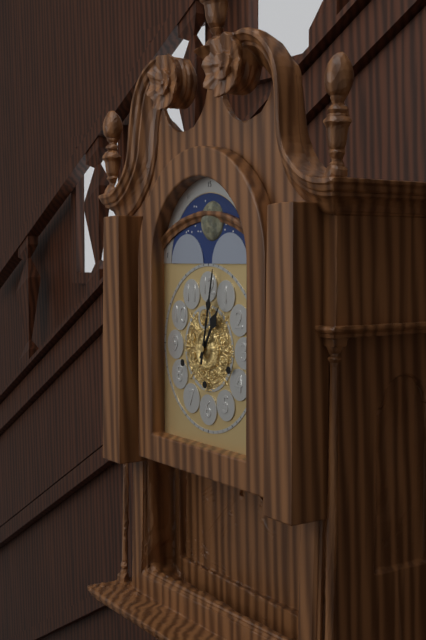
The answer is 1.02
